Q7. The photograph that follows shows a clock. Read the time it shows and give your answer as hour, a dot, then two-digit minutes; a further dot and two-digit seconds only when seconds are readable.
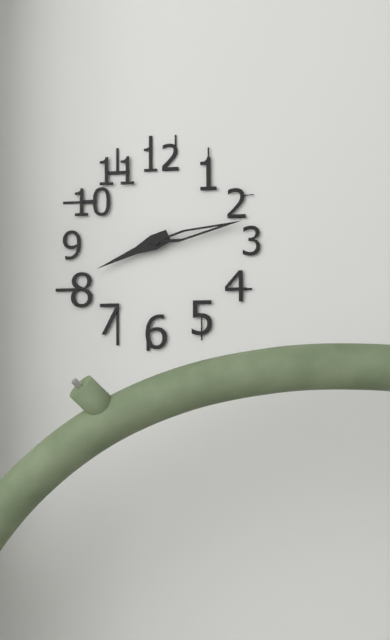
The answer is 8.13
